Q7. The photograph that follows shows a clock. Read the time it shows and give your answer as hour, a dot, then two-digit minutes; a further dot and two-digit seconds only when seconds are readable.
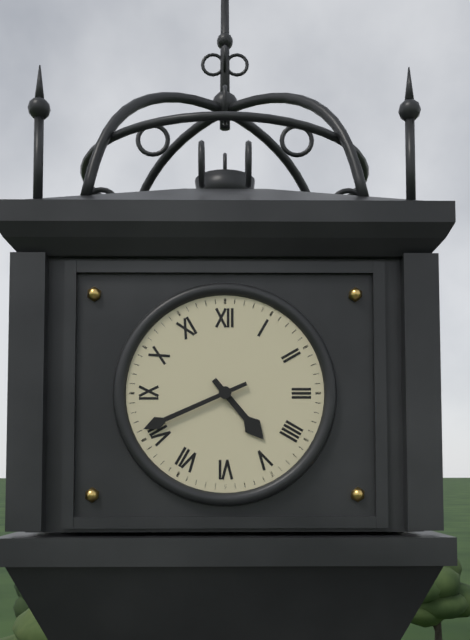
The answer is 4.41
